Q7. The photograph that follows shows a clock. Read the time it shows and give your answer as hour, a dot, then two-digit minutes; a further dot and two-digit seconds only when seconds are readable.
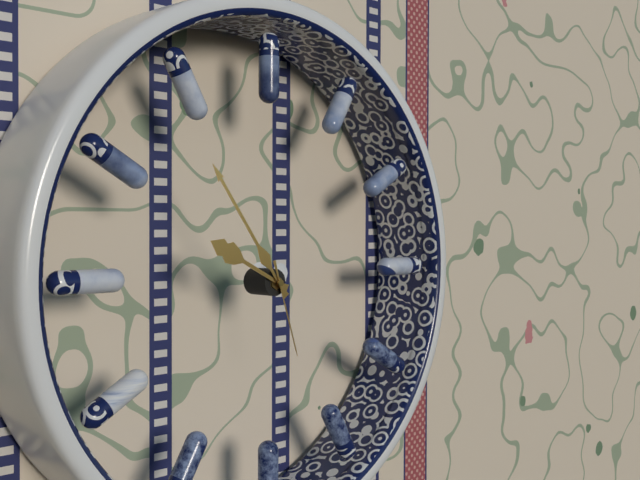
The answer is 9.54.27
